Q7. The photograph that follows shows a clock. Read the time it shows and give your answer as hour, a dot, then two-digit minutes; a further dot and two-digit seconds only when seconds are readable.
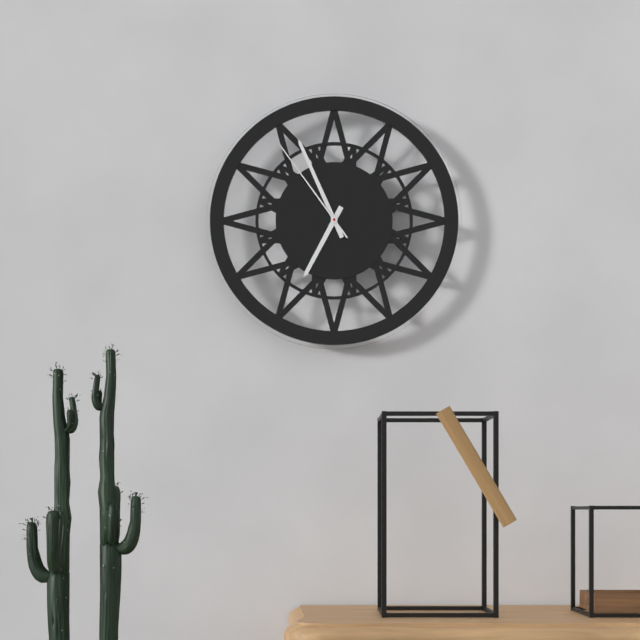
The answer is 6.56.54
